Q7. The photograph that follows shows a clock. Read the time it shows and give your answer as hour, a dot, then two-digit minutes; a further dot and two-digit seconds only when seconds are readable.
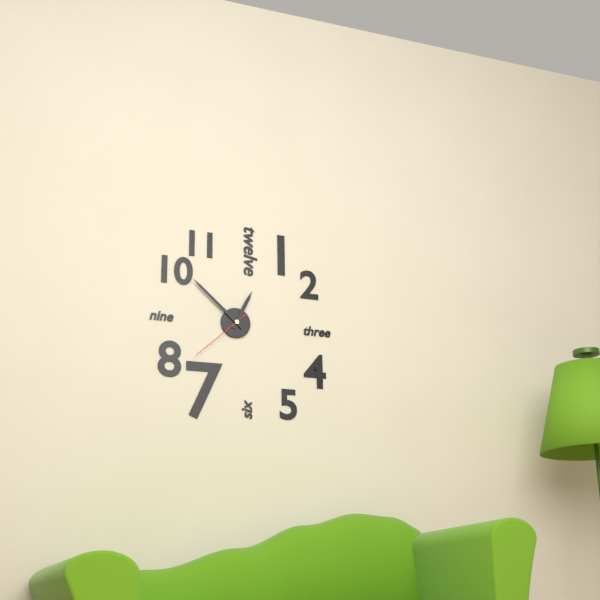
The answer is 12.52.38
